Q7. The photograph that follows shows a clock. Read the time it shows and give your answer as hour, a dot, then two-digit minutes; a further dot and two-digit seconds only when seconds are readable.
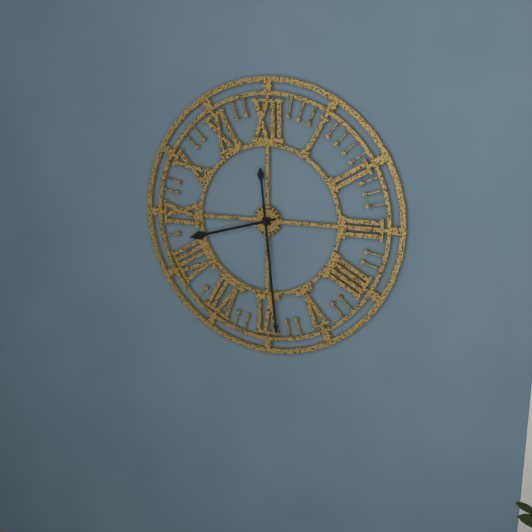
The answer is 8.29
